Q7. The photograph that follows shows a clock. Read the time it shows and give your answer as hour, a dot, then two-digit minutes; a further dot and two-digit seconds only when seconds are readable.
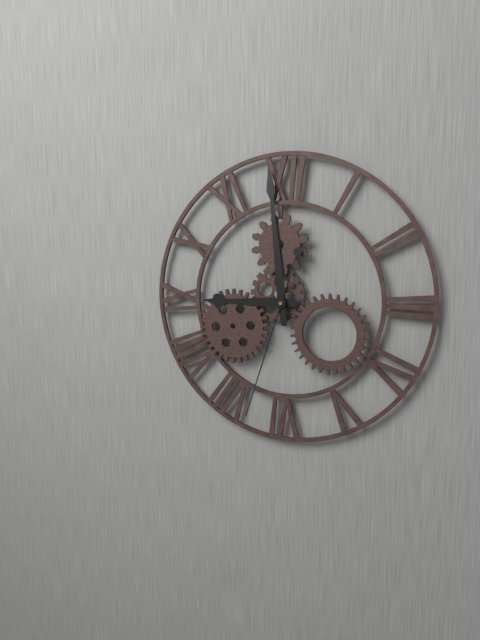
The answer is 8.59.33
